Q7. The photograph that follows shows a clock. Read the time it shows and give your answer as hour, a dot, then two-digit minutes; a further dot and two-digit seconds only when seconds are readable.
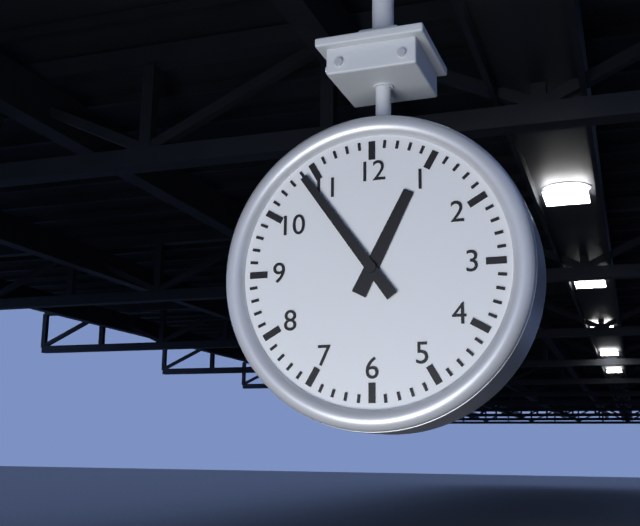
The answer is 12.54
